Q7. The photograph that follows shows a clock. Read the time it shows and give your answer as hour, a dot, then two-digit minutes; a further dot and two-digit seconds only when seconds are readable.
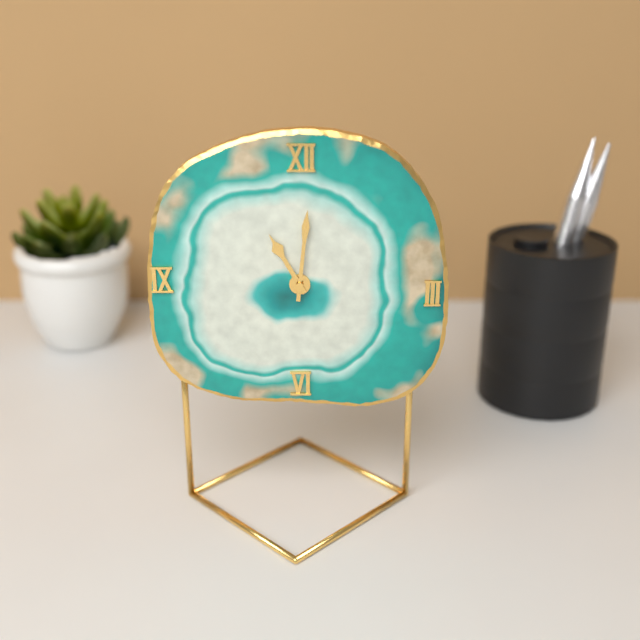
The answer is 11.01
